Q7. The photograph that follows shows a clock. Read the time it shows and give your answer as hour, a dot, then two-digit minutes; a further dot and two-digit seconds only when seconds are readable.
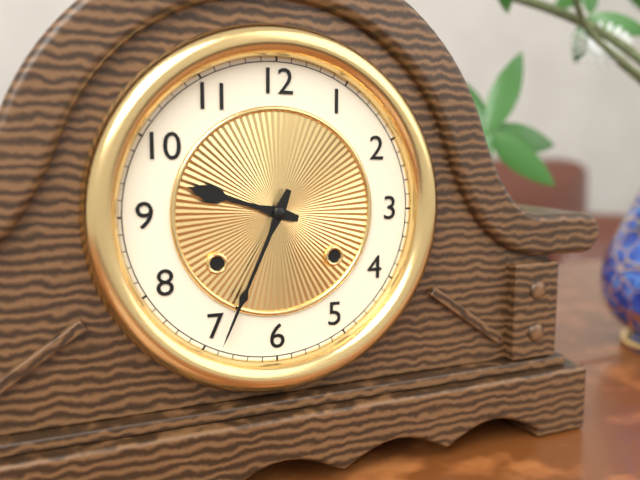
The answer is 9.34
